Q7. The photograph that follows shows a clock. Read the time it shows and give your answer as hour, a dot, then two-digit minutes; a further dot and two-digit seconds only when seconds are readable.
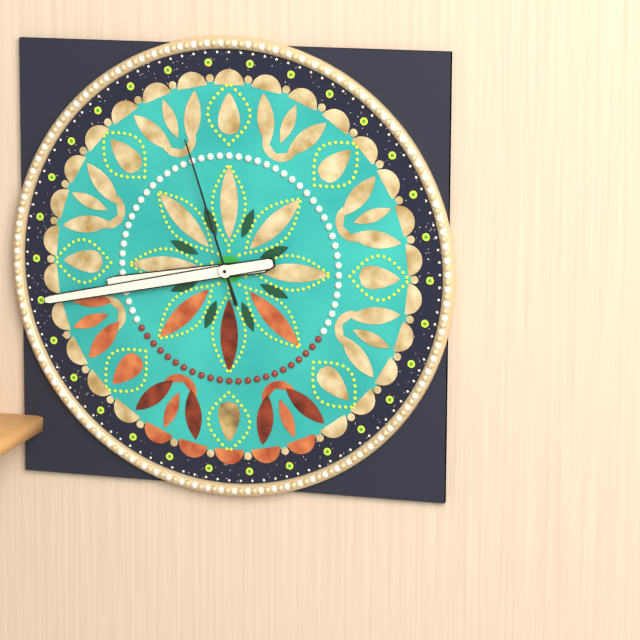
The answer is 8.43.57
